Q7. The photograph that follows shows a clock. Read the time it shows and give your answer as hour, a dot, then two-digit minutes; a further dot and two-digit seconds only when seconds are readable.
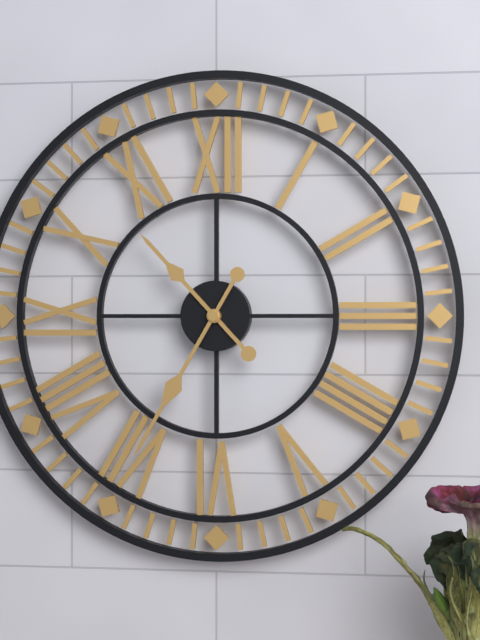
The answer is 10.35
